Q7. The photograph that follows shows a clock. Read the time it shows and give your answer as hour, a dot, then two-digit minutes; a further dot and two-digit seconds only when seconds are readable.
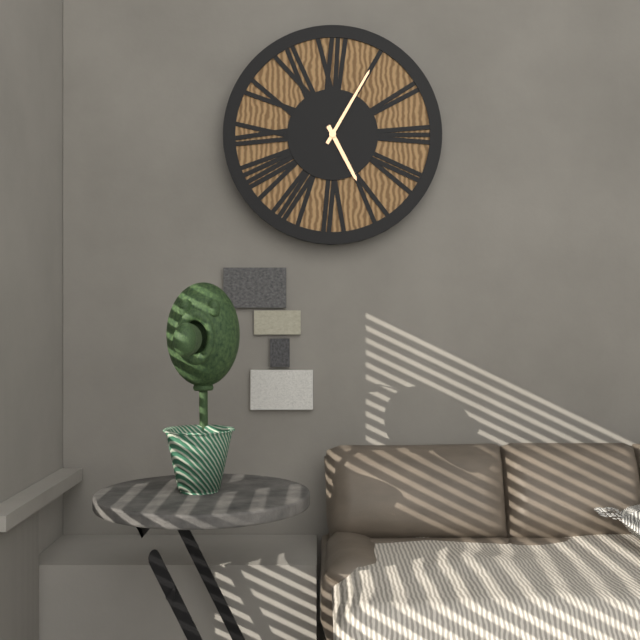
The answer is 5.05
